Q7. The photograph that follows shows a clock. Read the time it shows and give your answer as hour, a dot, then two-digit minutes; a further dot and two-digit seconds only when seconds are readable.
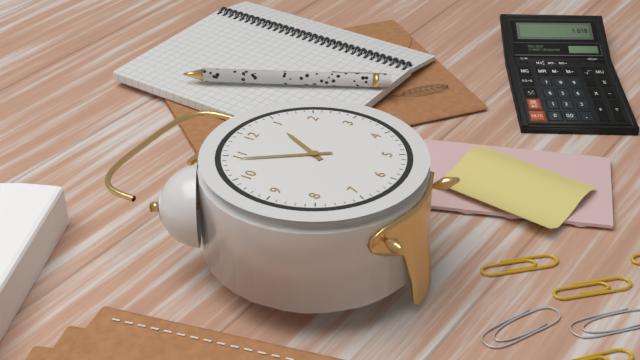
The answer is 12.54
